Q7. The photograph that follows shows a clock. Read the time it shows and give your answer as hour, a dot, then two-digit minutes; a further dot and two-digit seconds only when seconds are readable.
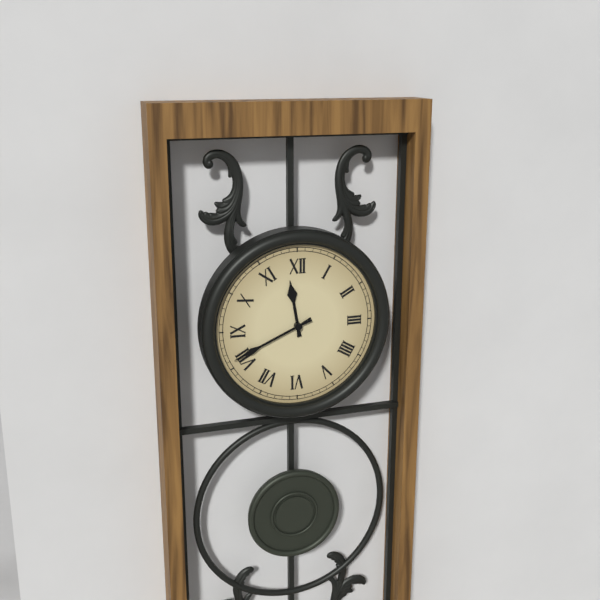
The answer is 11.41
